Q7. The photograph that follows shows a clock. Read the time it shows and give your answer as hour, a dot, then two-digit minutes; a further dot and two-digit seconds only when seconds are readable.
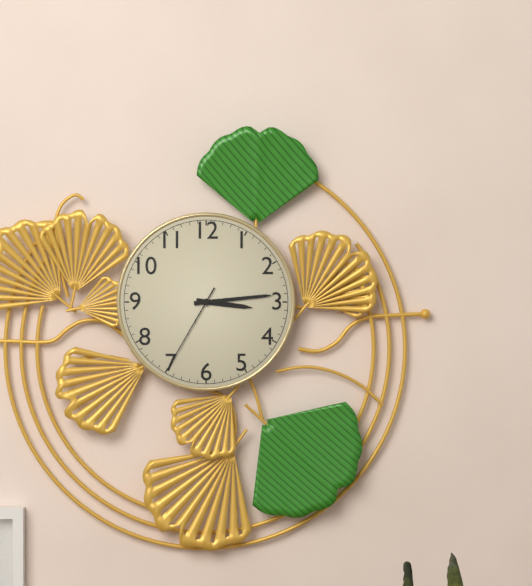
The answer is 3.14.35
